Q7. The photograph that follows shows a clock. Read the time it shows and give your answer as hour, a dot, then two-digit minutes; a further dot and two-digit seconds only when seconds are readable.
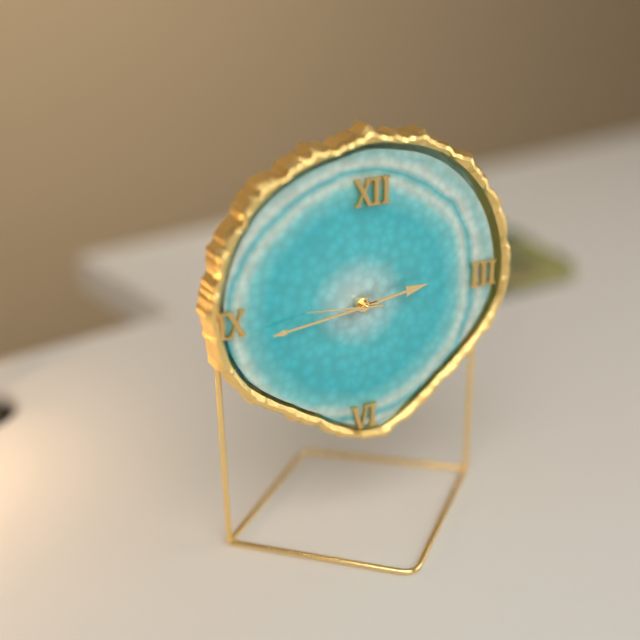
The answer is 2.44.46
